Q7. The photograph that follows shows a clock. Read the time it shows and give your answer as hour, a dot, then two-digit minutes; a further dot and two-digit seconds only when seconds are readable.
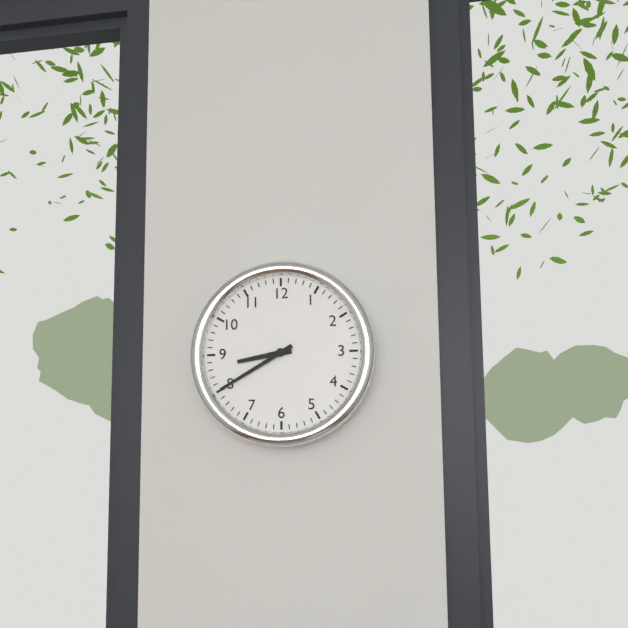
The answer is 8.40
